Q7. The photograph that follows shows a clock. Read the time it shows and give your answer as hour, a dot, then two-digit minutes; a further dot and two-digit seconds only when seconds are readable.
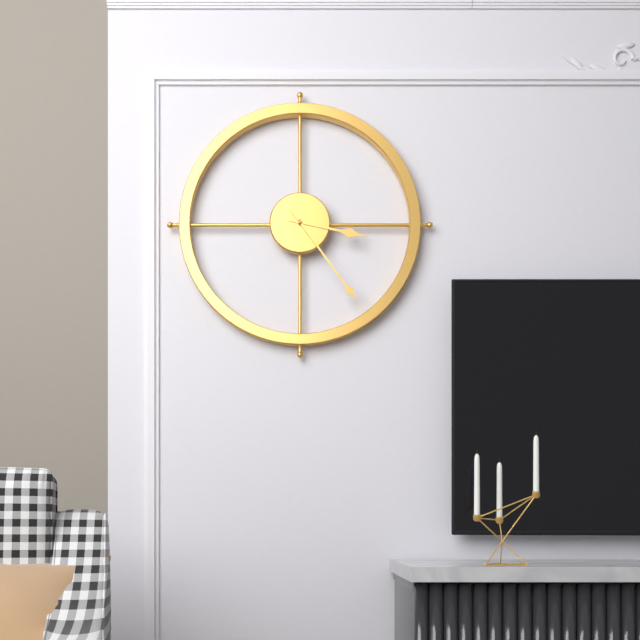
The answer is 3.24
